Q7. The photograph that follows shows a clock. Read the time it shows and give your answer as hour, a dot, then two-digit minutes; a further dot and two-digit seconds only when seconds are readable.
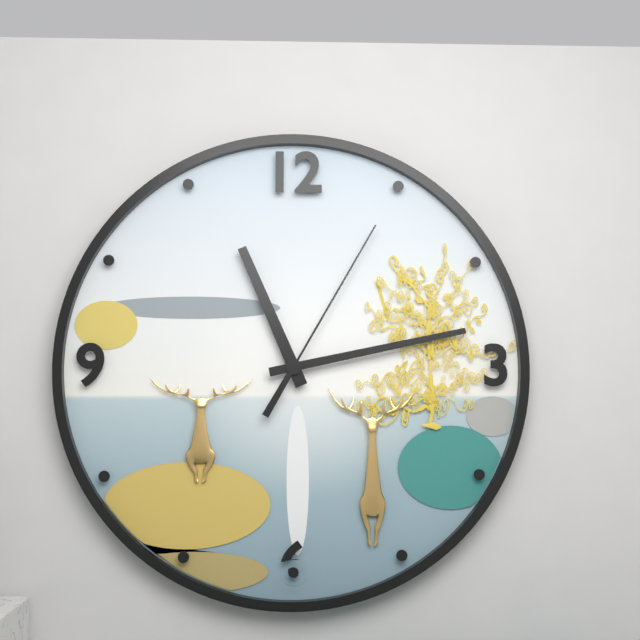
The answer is 11.13.05
